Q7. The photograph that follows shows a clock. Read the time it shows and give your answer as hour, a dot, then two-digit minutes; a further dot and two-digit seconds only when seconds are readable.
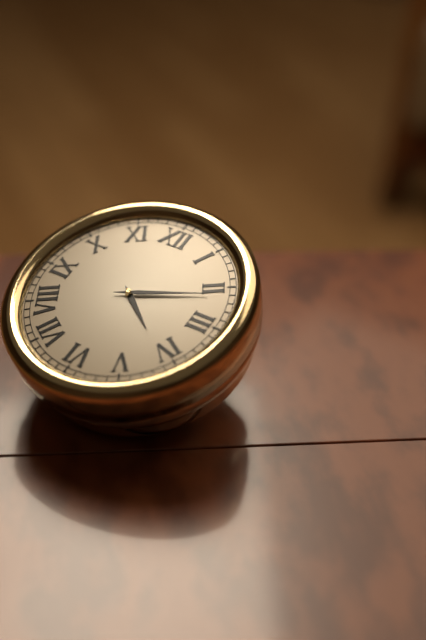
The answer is 4.11
